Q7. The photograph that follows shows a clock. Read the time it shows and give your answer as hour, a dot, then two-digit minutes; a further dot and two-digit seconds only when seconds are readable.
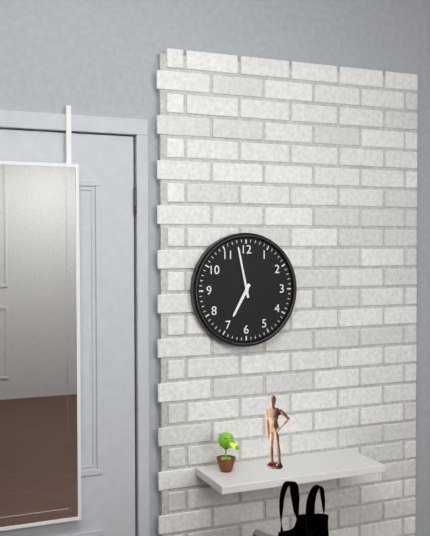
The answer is 6.58
